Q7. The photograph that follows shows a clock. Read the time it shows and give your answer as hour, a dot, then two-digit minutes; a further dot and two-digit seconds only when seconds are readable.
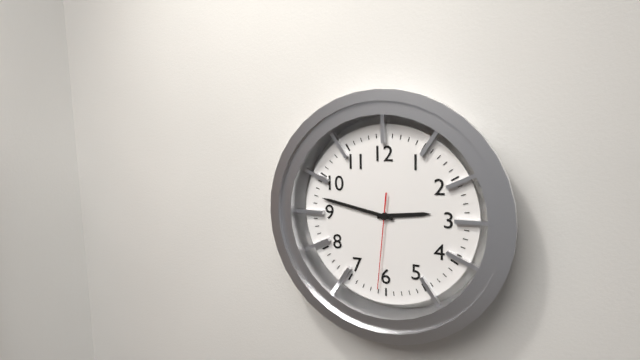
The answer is 2.47.31
